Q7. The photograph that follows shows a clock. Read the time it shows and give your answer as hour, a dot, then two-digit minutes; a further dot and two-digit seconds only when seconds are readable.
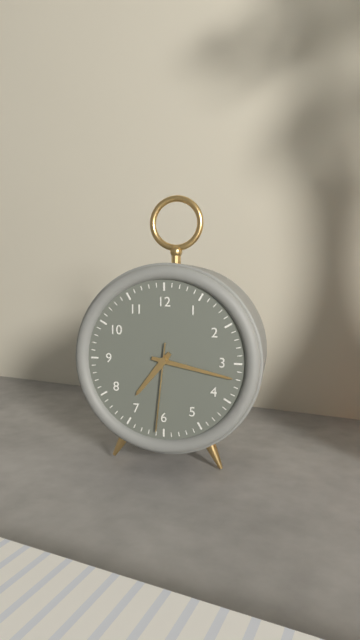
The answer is 7.17.31
